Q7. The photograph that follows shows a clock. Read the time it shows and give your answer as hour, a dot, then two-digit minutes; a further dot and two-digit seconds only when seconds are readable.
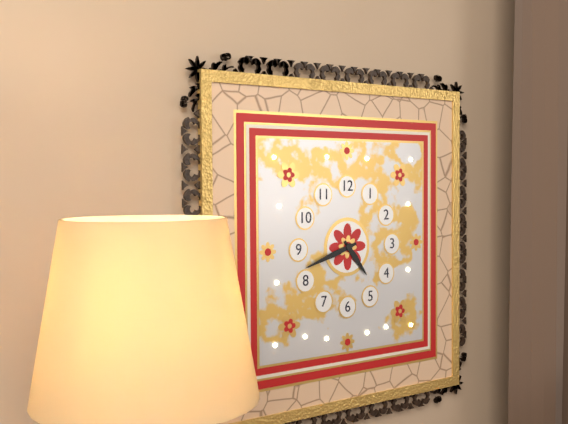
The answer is 4.42
